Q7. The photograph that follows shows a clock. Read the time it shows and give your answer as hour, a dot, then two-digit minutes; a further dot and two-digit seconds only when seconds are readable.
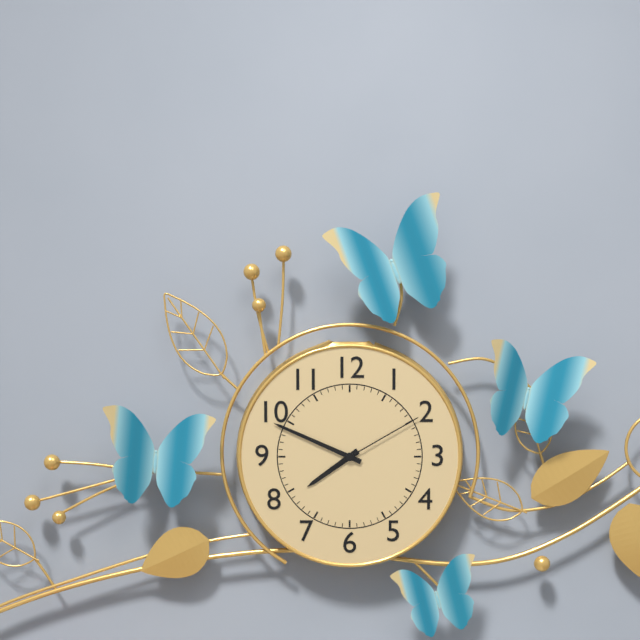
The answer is 7.49.10
